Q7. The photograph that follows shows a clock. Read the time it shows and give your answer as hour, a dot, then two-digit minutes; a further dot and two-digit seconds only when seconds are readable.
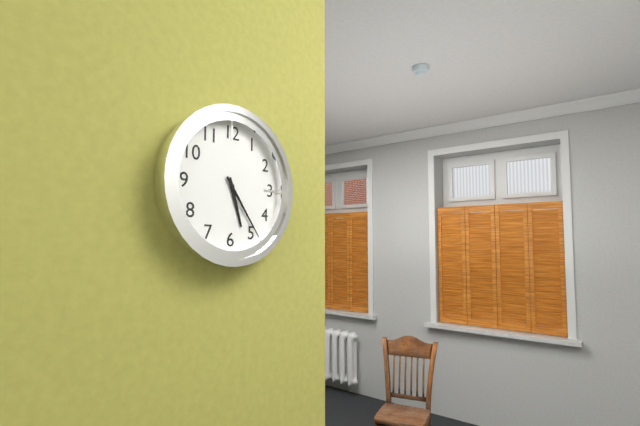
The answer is 5.24
